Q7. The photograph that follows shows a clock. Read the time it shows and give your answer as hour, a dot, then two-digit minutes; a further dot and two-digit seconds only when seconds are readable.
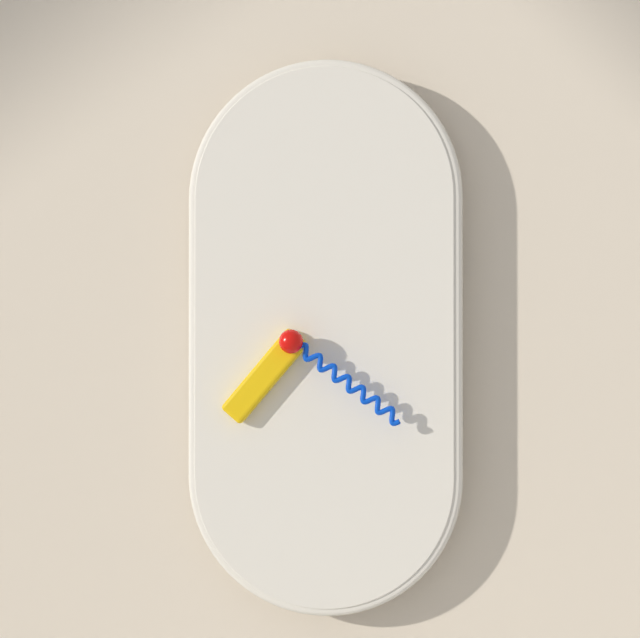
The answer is 7.21
